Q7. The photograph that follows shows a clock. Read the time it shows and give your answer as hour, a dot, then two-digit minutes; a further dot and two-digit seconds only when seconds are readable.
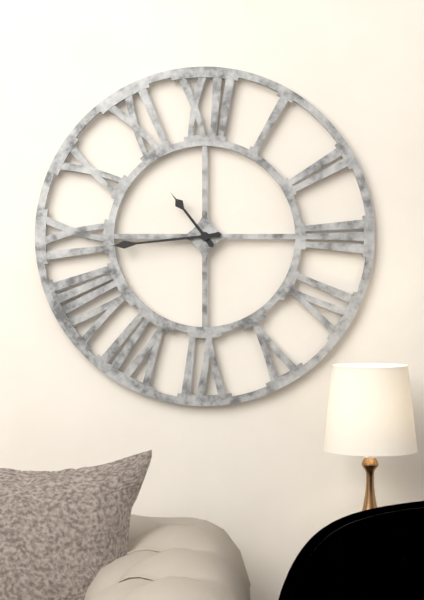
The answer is 10.44
